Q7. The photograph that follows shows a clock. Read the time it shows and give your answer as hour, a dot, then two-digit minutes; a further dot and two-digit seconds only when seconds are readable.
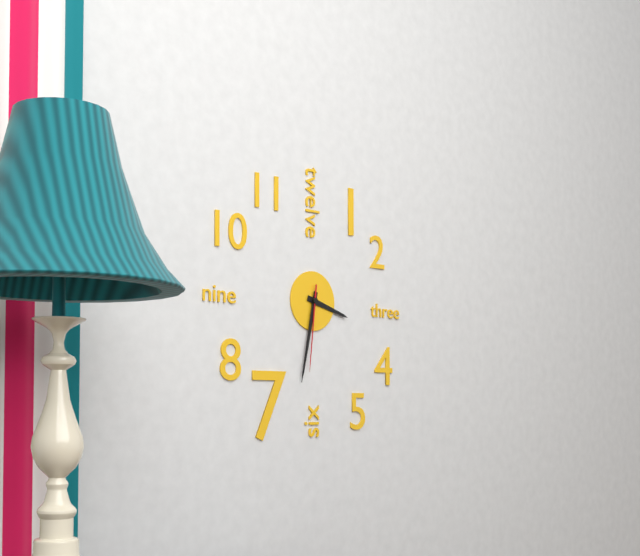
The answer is 3.32.31
